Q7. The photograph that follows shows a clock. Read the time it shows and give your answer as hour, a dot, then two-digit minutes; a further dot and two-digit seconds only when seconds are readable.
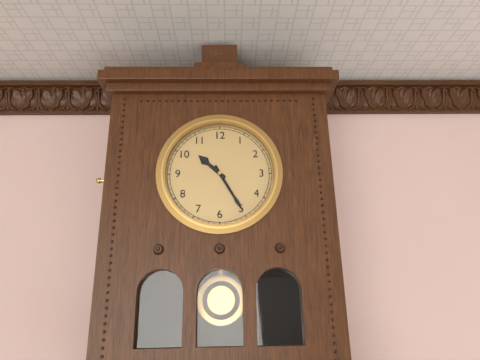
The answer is 10.25
